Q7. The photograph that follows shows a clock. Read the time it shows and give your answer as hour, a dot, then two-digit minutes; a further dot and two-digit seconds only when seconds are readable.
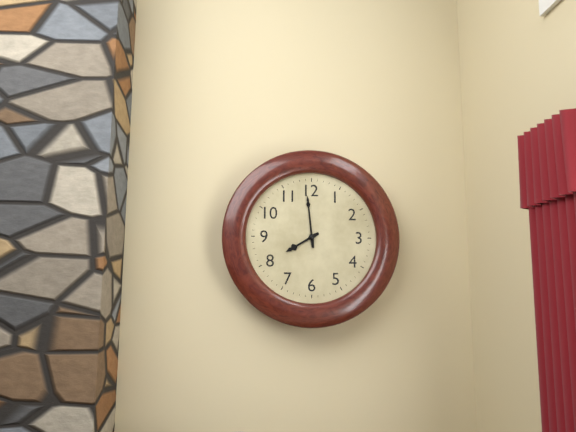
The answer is 7.59
